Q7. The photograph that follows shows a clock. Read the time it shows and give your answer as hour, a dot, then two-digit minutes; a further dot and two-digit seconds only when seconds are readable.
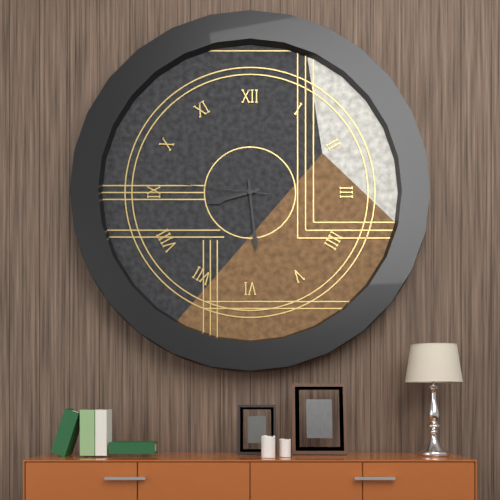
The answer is 8.29.46
